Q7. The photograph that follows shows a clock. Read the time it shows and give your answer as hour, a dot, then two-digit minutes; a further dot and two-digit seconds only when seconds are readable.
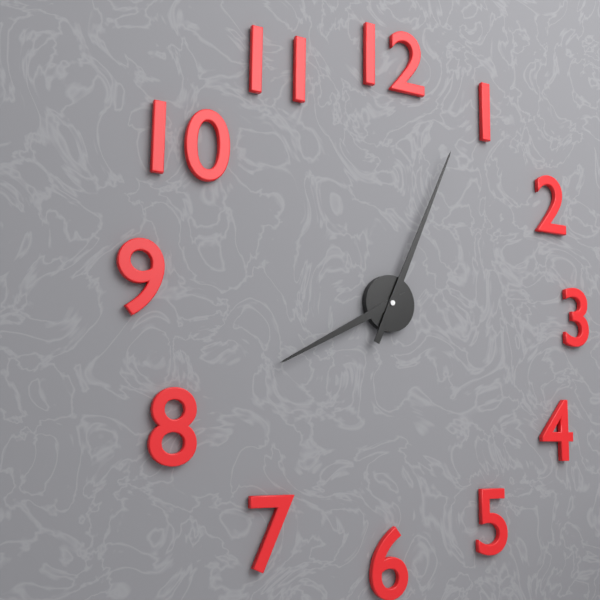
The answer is 8.04
